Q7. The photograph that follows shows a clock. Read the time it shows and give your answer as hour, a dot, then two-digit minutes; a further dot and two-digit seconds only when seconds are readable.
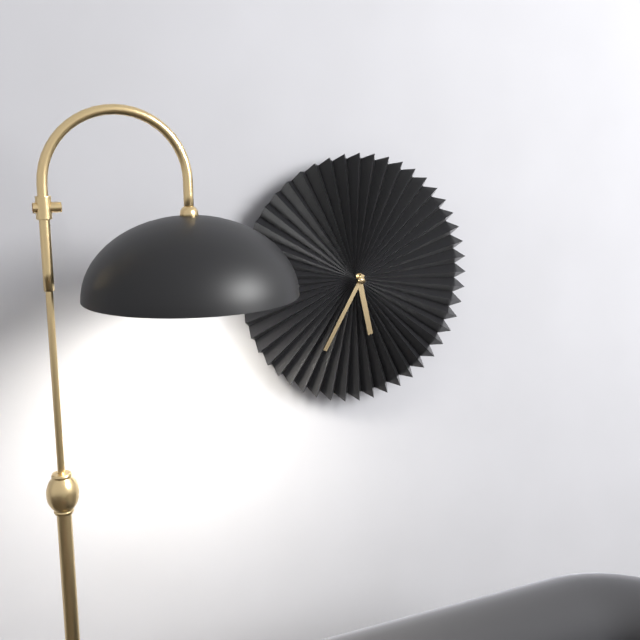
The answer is 5.35
